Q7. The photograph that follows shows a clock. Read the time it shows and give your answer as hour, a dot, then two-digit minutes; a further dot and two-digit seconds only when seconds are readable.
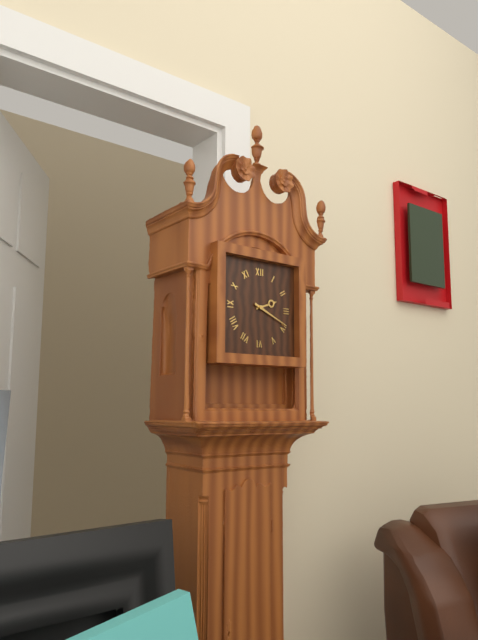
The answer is 2.19
